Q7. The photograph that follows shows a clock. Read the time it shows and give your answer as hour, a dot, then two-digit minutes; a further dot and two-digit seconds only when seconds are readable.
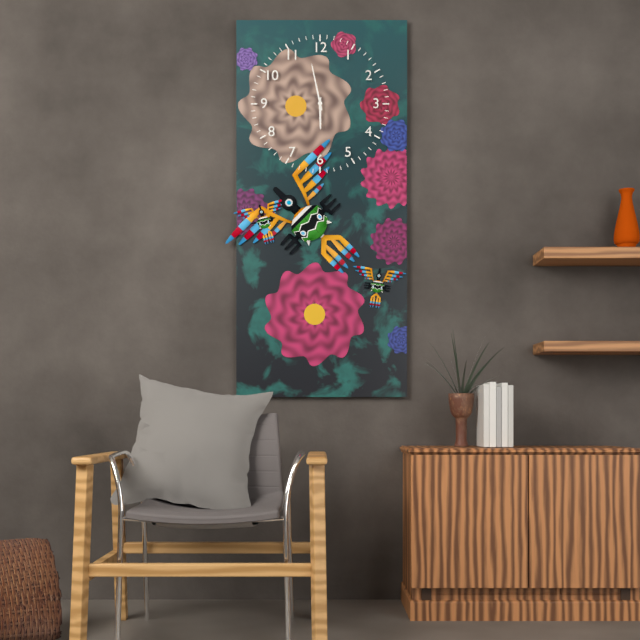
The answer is 5.58
